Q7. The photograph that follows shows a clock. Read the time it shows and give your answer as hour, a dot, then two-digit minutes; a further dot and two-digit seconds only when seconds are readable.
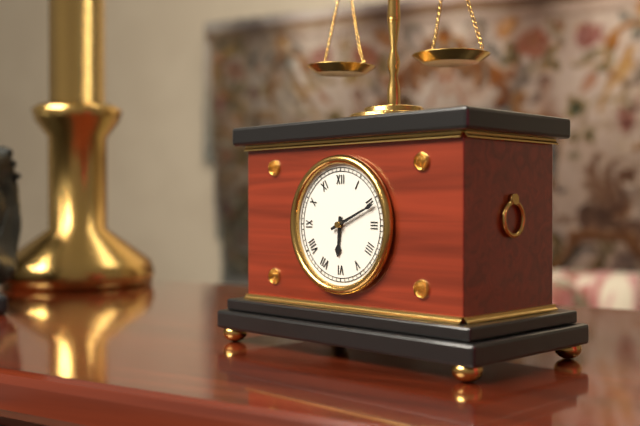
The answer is 6.11
